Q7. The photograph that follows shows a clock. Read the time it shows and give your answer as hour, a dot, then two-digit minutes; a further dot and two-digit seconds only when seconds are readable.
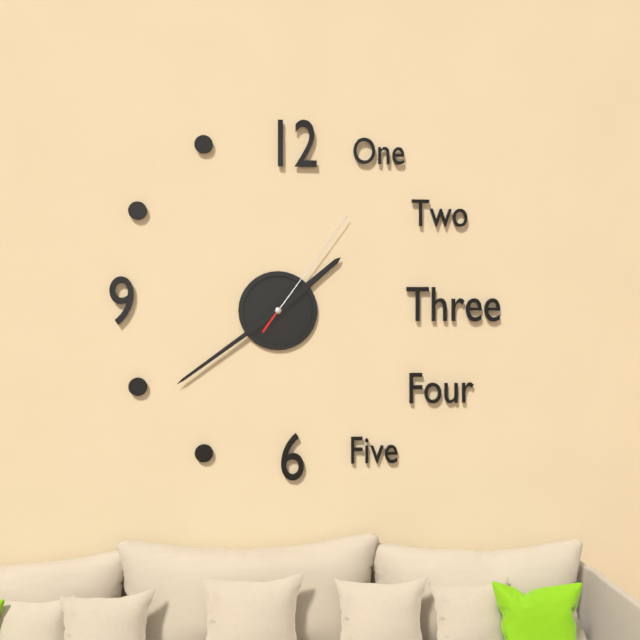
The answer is 1.39.06
